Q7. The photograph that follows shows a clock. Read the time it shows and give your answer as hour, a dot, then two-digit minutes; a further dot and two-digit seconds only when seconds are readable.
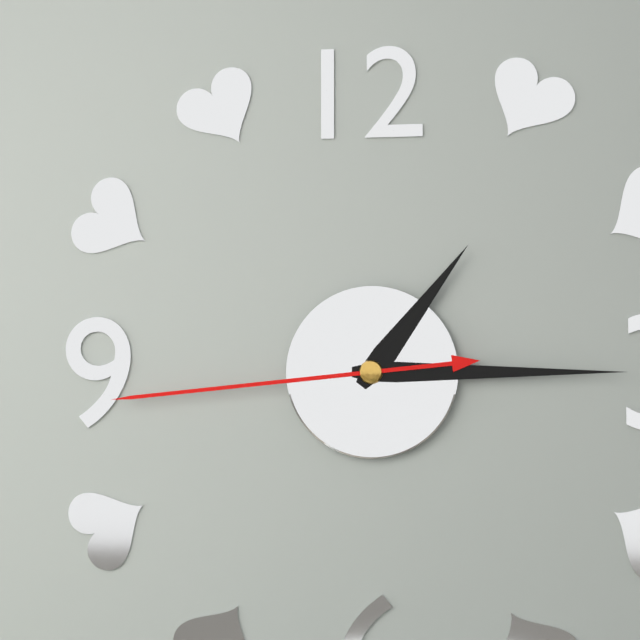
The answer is 1.15.44
